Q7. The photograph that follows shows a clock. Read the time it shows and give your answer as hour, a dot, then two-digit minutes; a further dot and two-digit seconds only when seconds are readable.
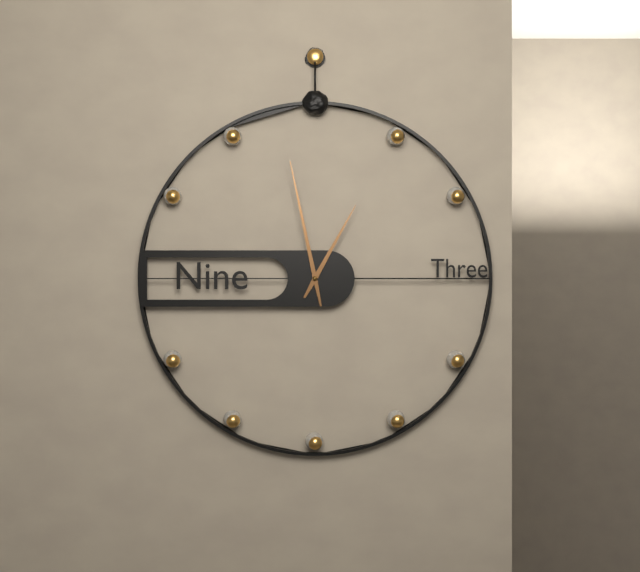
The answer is 12.58
